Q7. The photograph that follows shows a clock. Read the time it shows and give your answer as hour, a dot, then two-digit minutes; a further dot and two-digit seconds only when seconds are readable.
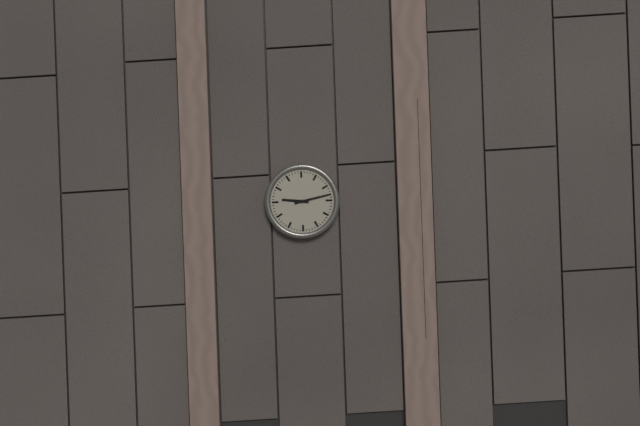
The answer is 9.13
